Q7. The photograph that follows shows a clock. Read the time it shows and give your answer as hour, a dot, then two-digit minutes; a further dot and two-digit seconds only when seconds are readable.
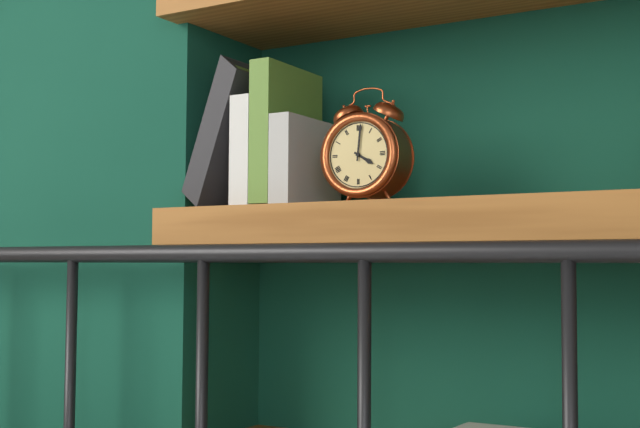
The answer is 4.01
